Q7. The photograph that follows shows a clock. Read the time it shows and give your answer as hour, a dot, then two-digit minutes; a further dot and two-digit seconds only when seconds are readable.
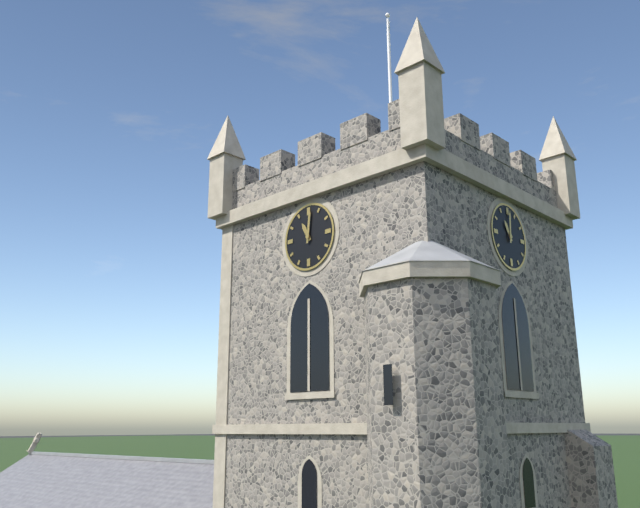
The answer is 11.01
